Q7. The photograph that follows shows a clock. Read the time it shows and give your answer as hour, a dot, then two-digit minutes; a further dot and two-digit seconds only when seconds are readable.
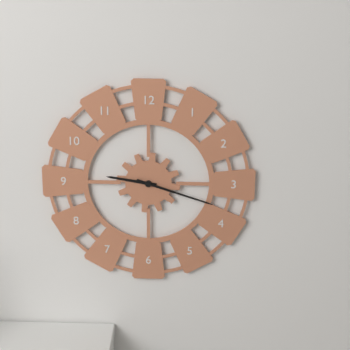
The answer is 9.18
